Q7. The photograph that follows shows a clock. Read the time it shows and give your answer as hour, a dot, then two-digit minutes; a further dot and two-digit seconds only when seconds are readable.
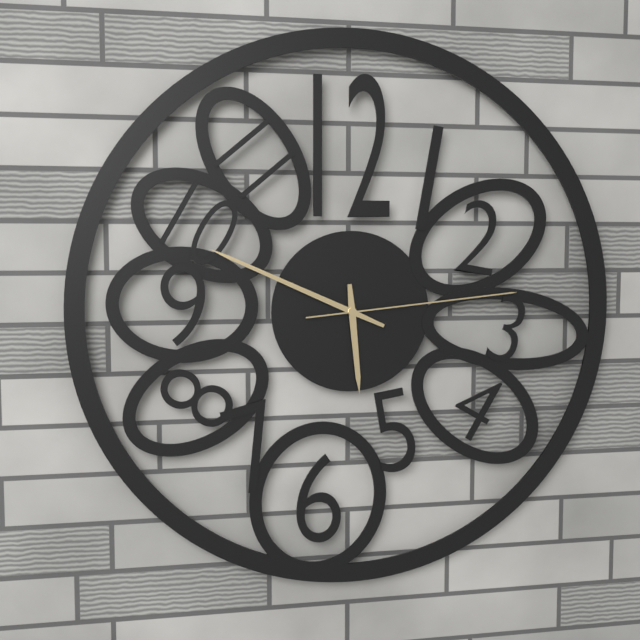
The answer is 5.49.14
